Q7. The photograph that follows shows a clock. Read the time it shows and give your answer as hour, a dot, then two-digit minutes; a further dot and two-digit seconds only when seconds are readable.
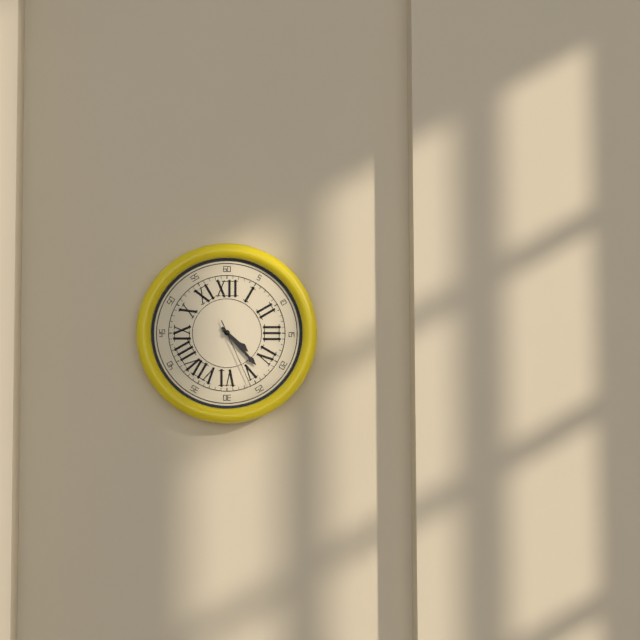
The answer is 4.23.26
